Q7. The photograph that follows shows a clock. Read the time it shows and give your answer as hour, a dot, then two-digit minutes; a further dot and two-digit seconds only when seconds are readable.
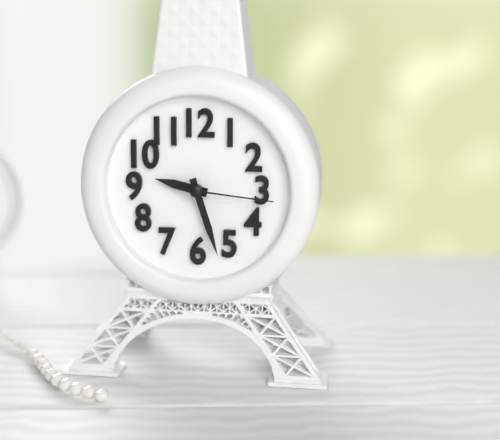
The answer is 9.27.16
